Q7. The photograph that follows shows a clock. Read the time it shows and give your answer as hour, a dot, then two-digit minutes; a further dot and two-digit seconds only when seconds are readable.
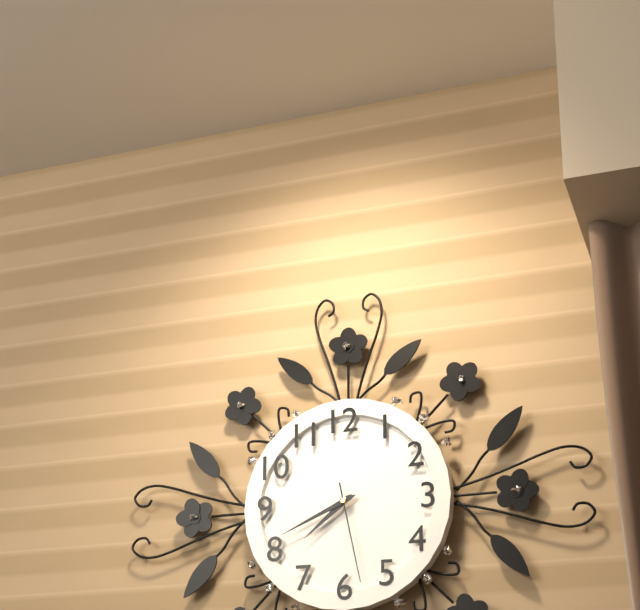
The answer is 7.41.28
